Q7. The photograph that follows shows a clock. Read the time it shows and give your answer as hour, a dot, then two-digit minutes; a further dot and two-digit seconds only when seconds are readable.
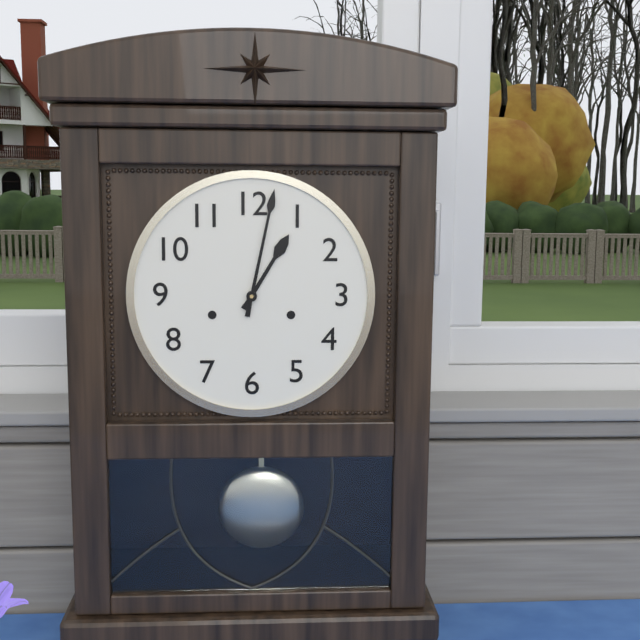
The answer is 1.02
